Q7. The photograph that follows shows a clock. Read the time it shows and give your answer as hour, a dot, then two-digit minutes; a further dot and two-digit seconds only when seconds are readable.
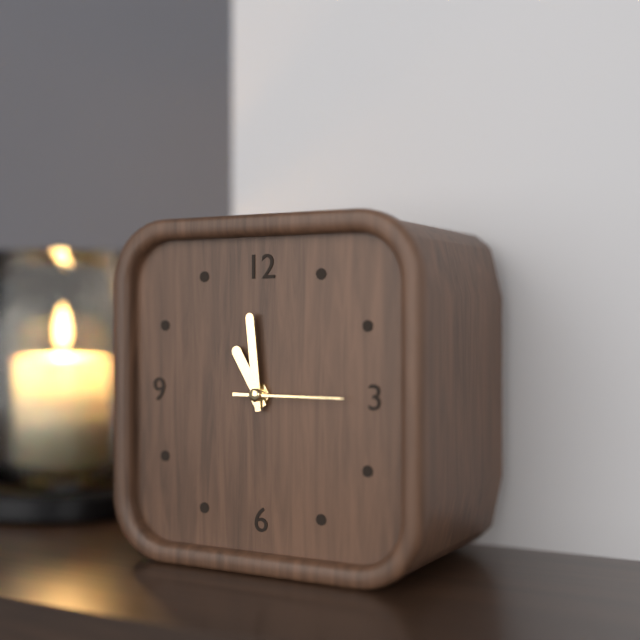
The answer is 10.59.15
